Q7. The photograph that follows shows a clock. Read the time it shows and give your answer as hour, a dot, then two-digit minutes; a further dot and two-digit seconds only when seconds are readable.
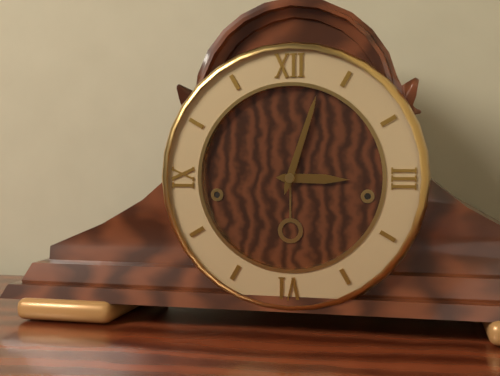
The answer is 3.03
